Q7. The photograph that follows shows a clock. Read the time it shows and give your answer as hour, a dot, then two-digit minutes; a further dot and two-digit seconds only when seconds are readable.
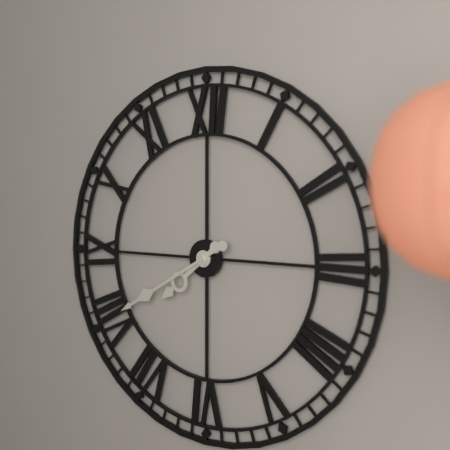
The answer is 7.40
